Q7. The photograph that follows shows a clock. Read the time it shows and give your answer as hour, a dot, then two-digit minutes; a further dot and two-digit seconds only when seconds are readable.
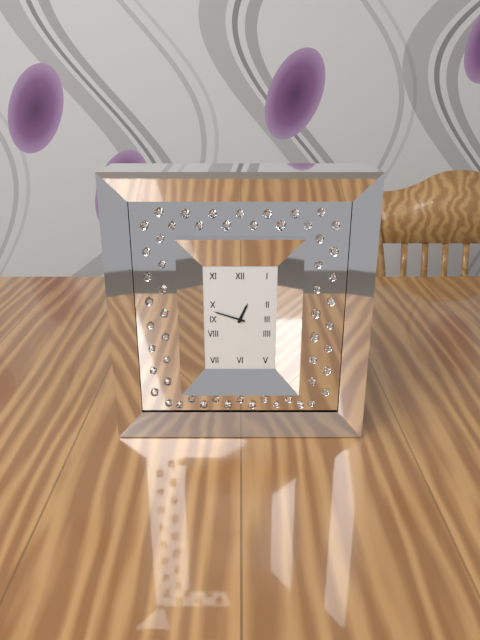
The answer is 12.48
